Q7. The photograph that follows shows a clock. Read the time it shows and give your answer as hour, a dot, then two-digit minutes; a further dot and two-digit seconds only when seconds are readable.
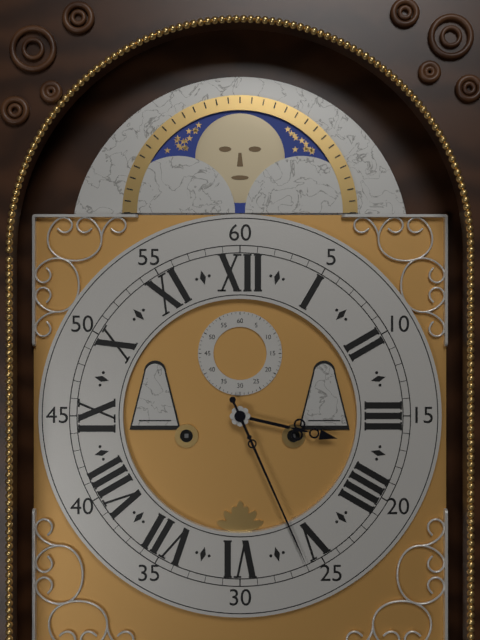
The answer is 3.26
